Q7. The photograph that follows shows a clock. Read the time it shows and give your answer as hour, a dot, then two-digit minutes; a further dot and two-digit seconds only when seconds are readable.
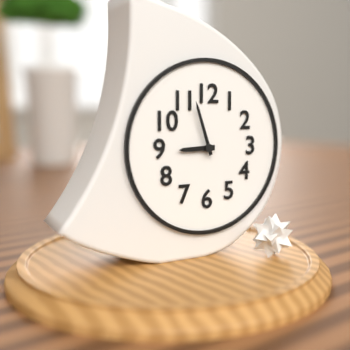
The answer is 8.57
